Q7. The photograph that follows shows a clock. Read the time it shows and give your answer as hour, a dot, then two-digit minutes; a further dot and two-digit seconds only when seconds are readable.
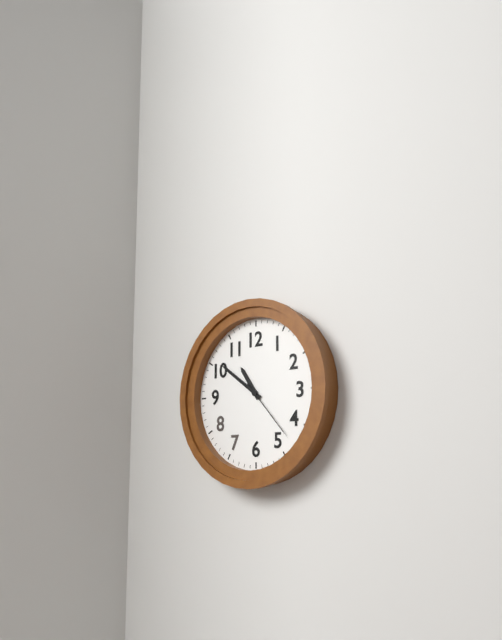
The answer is 10.51.23
